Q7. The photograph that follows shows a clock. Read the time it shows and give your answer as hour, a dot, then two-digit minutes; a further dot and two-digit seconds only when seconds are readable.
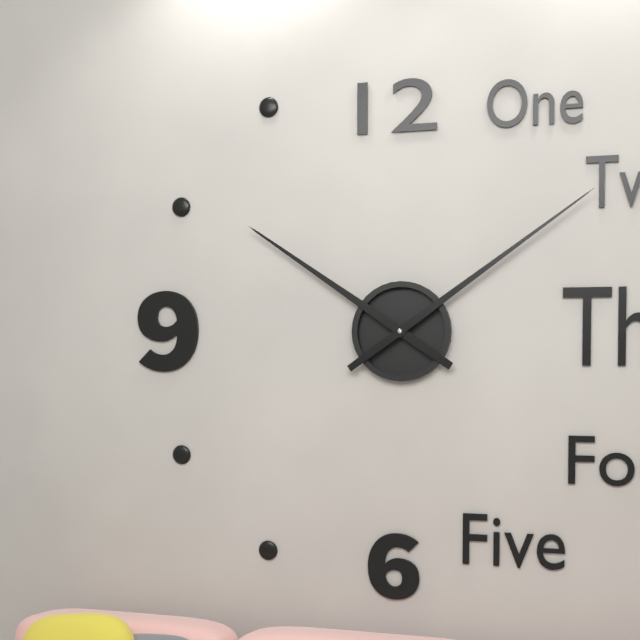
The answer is 10.09
